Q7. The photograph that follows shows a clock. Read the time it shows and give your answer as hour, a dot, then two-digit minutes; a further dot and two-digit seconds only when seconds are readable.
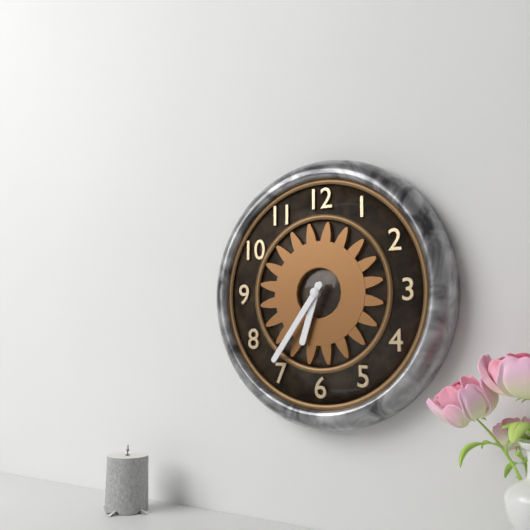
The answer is 6.36
